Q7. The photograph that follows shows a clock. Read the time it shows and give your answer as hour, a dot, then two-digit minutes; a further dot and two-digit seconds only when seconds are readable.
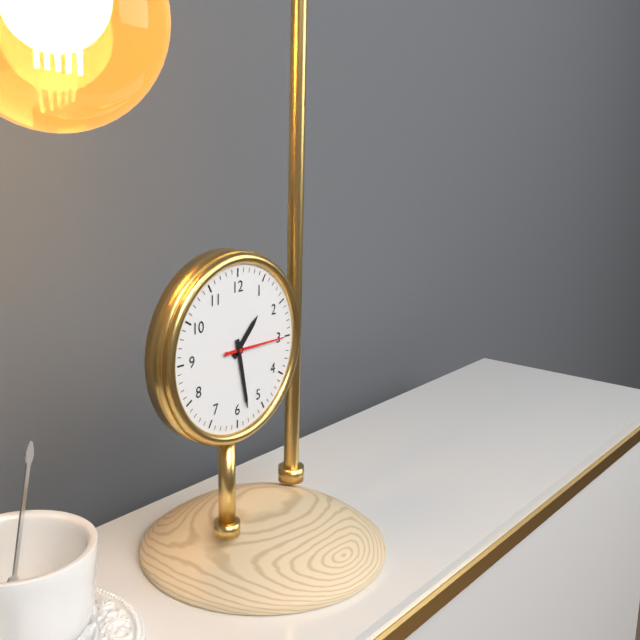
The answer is 1.28.15
